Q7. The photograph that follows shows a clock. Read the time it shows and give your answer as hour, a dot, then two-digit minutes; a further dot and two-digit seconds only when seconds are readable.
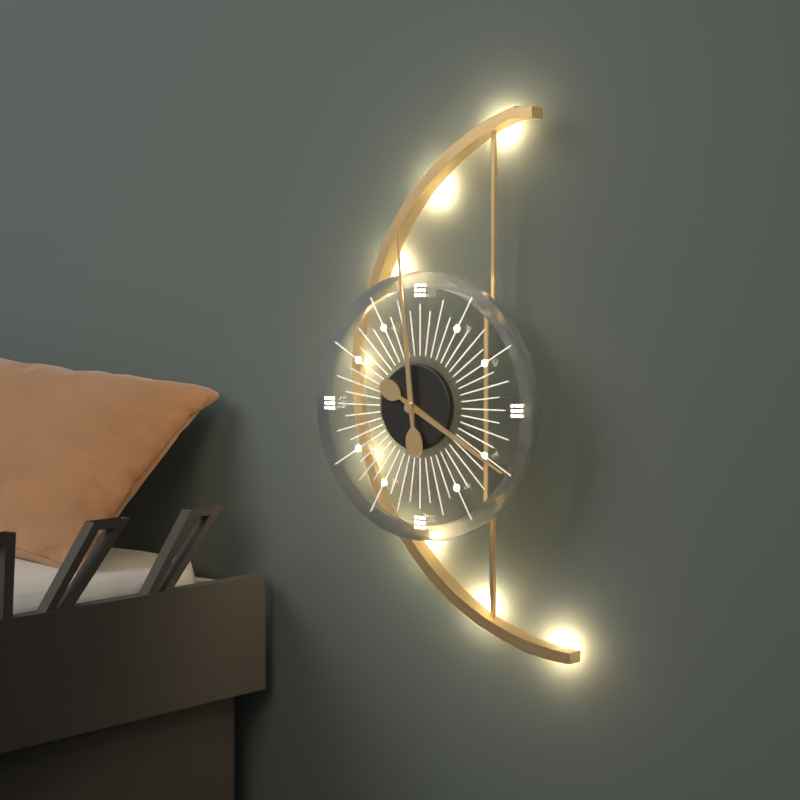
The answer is 3.59
